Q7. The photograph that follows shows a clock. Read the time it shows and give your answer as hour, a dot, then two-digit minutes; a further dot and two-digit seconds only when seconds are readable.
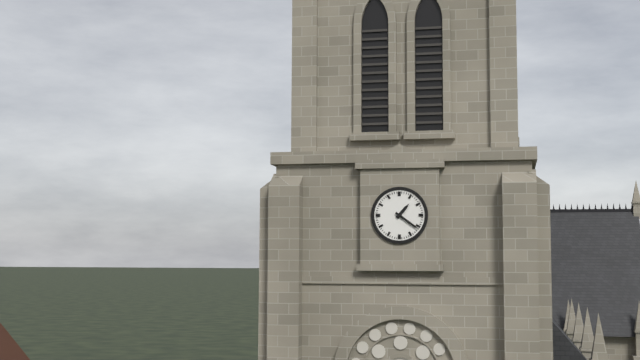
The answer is 1.21
